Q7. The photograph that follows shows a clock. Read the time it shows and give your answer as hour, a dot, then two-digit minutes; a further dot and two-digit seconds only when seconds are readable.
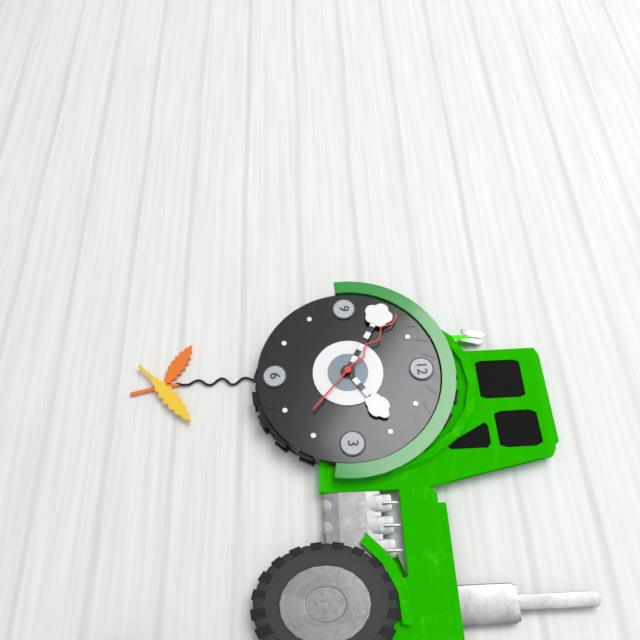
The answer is 1.50.52
